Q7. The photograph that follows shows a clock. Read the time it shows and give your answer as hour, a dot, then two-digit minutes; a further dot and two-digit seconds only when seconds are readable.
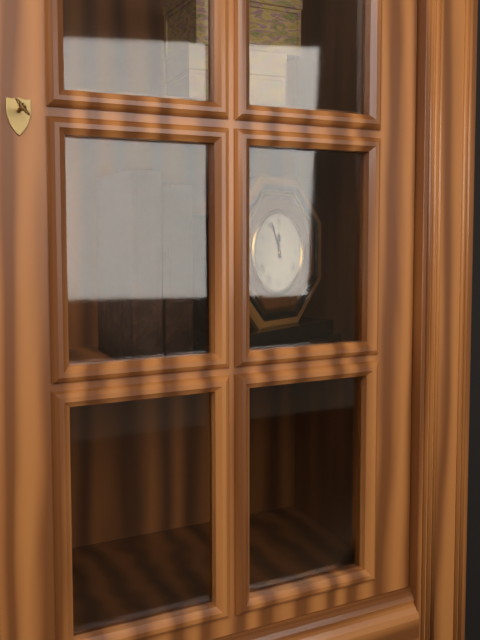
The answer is 11.56
